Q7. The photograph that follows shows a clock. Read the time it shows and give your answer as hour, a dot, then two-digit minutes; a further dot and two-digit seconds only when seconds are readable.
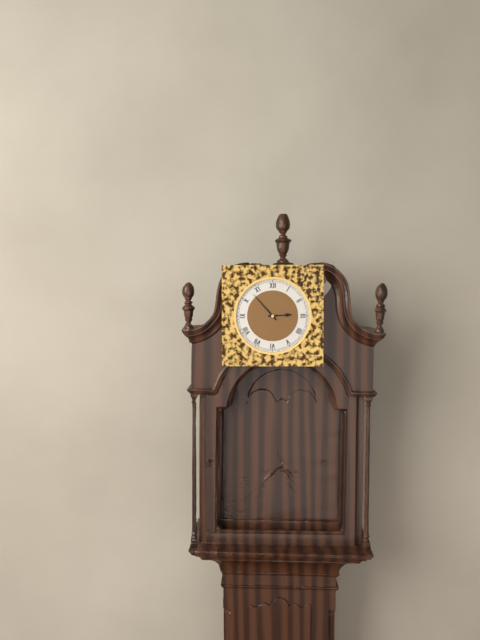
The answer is 2.53
